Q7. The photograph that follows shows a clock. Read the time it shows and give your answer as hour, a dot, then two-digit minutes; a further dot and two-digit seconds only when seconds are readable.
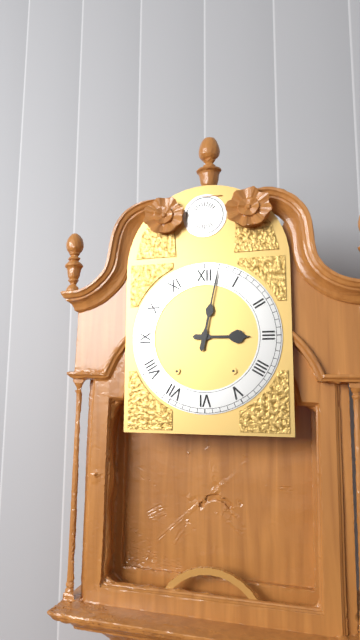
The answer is 3.02
